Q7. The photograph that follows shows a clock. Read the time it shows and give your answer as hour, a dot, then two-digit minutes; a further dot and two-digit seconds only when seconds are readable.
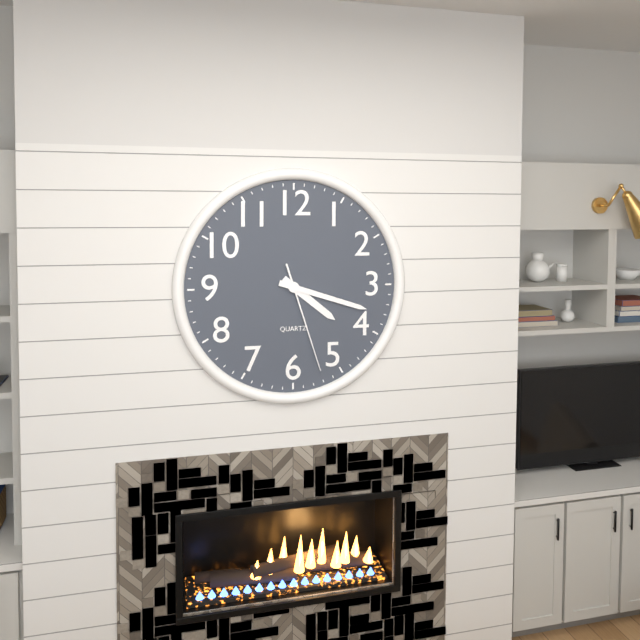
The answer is 4.18.27
